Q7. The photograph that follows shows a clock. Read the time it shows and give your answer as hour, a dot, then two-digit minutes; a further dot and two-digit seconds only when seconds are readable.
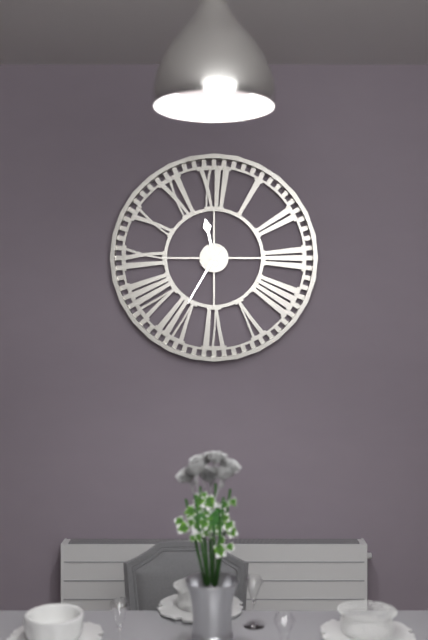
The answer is 11.35
